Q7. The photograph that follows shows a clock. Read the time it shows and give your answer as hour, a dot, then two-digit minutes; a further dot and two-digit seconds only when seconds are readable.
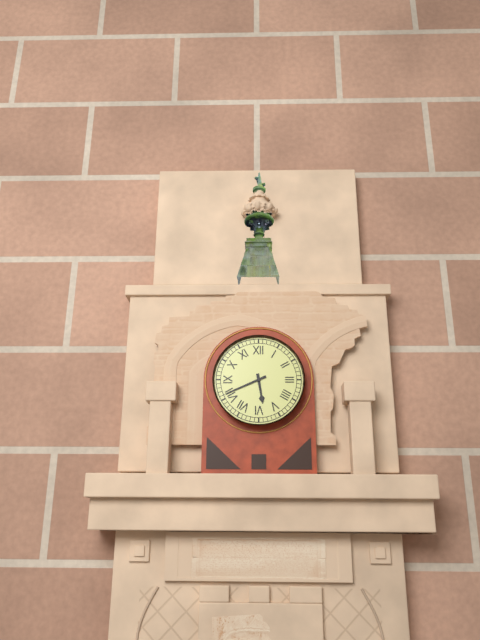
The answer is 5.41
